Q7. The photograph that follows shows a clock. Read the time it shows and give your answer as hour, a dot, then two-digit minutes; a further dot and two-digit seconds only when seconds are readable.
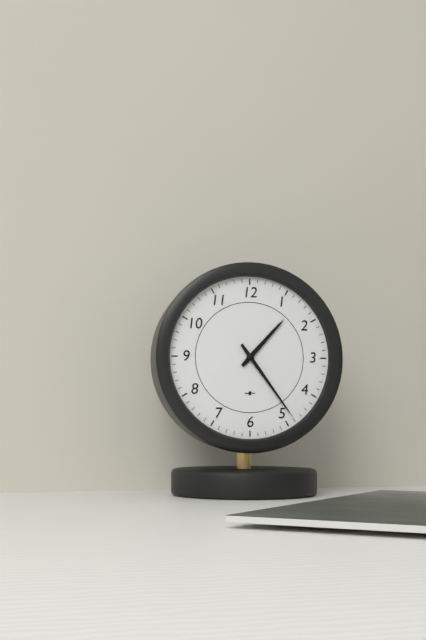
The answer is 1.24
